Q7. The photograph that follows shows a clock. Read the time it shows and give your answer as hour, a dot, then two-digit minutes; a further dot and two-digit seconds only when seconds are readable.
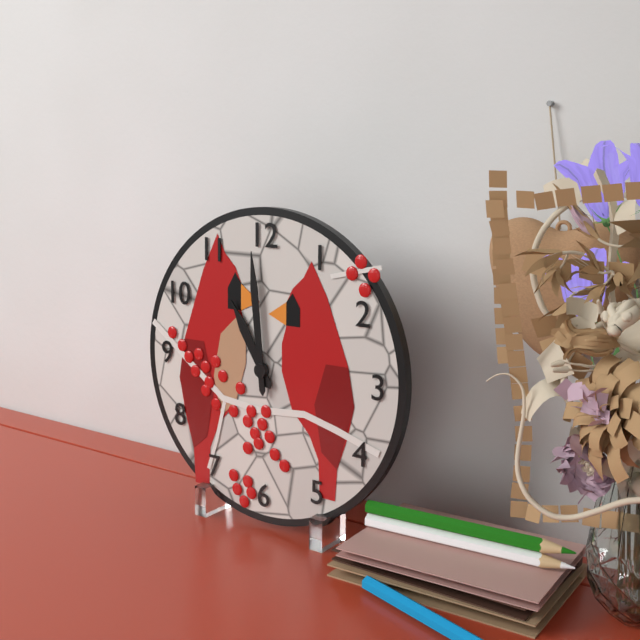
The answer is 10.59
